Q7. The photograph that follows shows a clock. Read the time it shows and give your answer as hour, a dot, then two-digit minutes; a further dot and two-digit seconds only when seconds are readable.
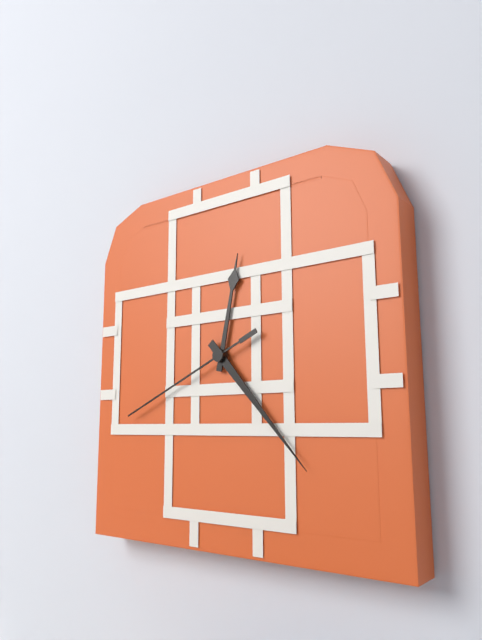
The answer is 12.23.41
